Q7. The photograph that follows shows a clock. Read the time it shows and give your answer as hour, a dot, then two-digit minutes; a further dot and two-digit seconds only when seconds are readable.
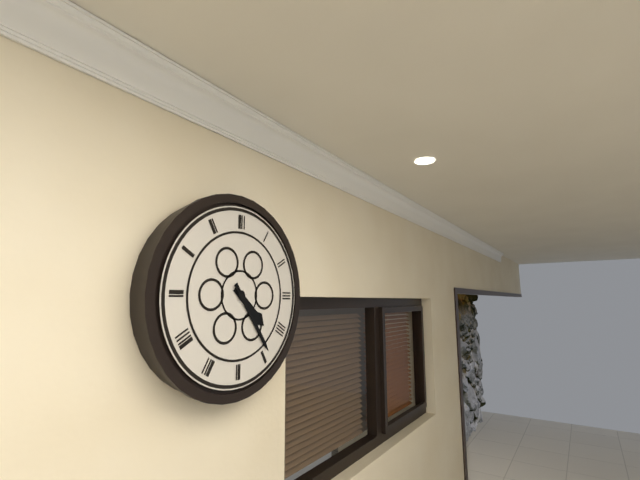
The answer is 4.24
